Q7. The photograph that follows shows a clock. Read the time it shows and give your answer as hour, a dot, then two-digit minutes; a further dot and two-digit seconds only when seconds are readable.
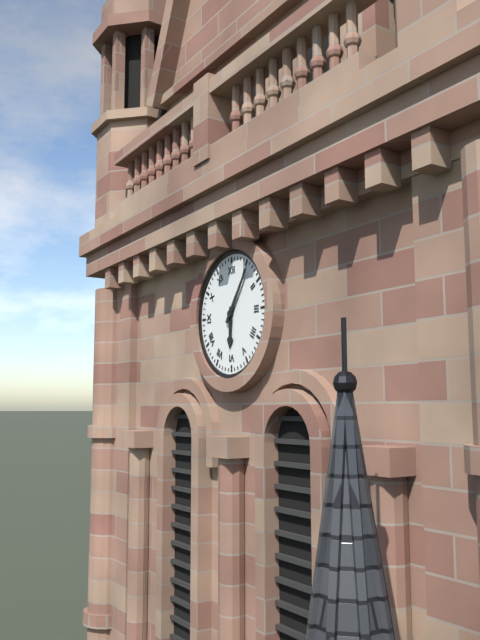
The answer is 6.06
